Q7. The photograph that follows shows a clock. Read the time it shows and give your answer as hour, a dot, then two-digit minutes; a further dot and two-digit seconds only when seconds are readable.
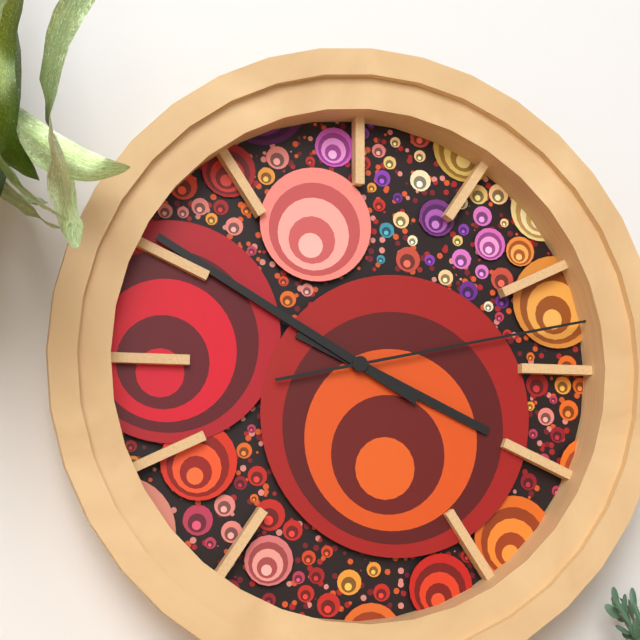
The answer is 3.50.13
